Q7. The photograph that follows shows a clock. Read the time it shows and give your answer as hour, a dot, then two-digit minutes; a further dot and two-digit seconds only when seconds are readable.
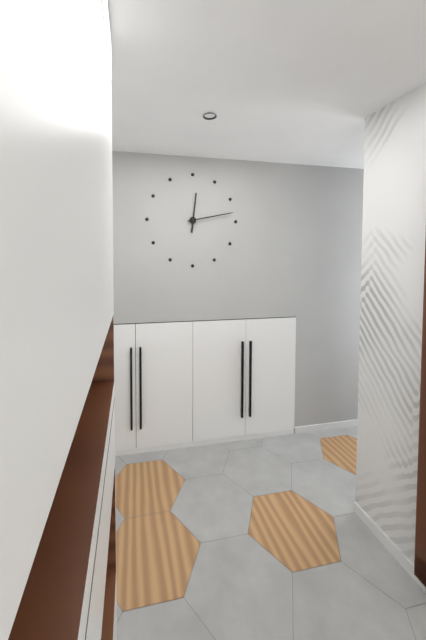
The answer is 12.13
